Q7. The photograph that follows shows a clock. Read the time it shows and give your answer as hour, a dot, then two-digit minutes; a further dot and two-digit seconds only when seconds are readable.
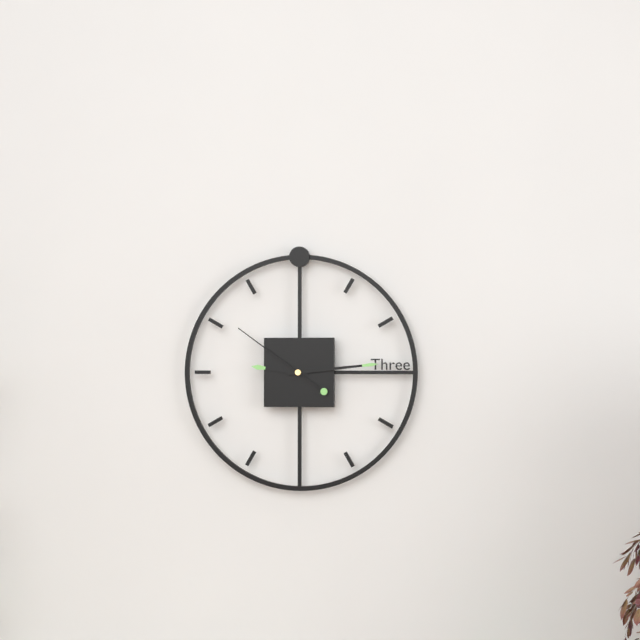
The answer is 9.14.51
